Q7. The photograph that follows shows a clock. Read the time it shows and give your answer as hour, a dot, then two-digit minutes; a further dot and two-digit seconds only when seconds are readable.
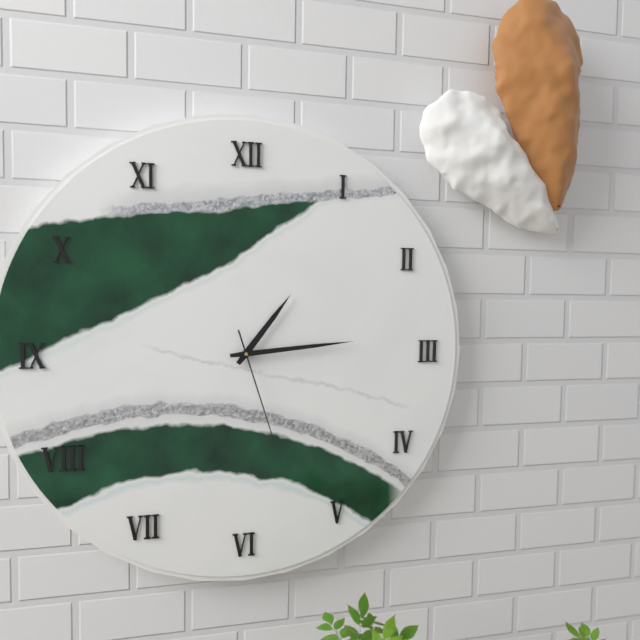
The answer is 1.14.27
